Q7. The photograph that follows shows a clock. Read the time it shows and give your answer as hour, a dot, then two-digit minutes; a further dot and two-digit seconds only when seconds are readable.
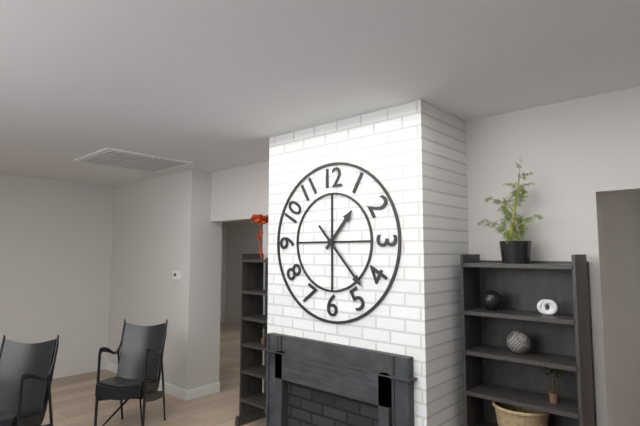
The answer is 1.23
